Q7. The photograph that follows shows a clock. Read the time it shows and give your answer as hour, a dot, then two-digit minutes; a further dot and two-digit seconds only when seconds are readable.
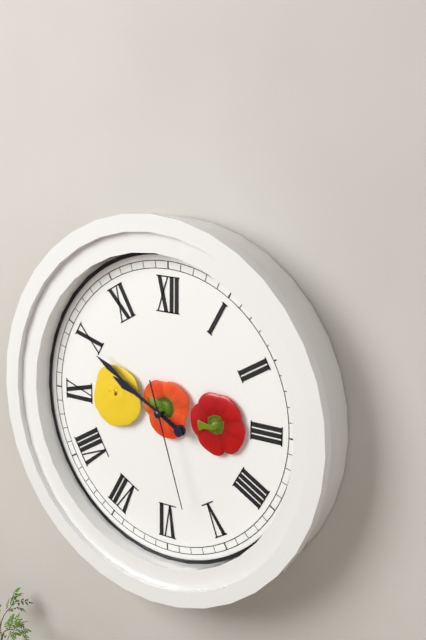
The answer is 9.50.27
